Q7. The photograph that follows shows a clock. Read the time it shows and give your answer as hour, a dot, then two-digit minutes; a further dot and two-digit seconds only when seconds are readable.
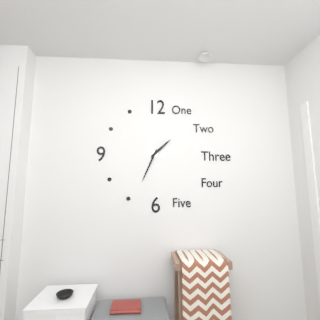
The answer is 1.34
